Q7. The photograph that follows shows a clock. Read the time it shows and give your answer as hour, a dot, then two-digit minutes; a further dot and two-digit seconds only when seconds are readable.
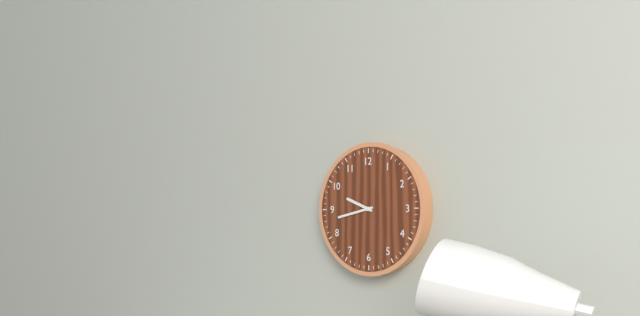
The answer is 9.43
